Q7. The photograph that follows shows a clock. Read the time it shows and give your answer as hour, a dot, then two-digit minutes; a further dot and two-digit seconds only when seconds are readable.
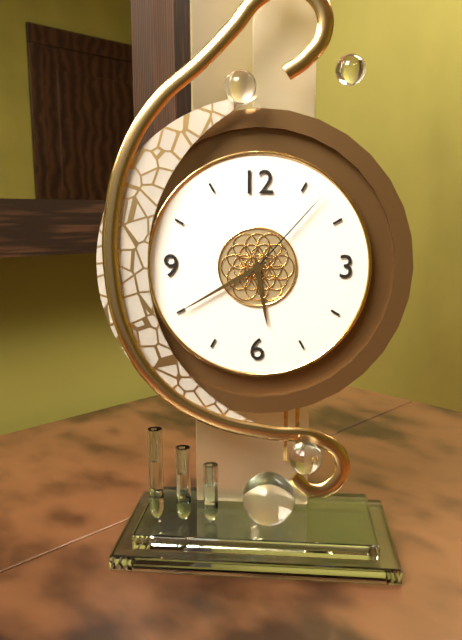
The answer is 5.40.07
